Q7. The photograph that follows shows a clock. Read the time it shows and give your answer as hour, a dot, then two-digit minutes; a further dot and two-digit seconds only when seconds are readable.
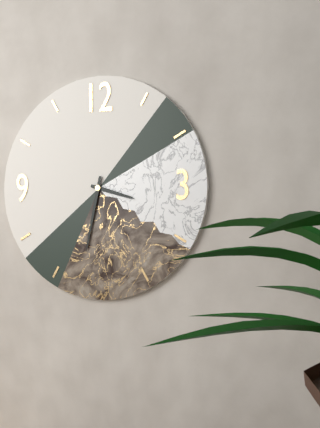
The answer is 3.32
